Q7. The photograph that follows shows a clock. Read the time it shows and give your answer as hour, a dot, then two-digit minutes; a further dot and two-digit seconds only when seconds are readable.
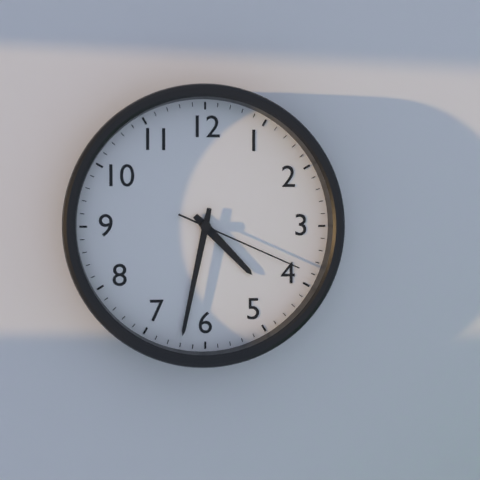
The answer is 4.32.19
